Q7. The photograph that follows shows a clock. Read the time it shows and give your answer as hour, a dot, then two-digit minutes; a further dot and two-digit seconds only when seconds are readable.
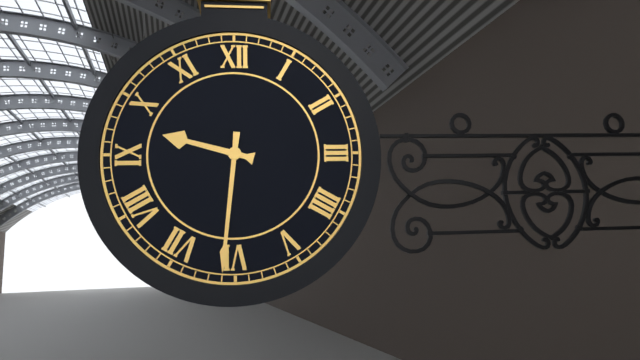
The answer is 9.31
